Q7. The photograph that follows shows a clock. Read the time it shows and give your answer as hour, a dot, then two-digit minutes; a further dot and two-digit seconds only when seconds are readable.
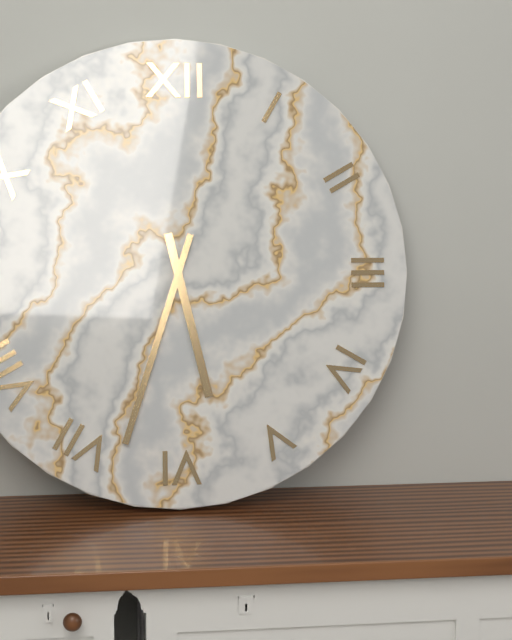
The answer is 5.33
